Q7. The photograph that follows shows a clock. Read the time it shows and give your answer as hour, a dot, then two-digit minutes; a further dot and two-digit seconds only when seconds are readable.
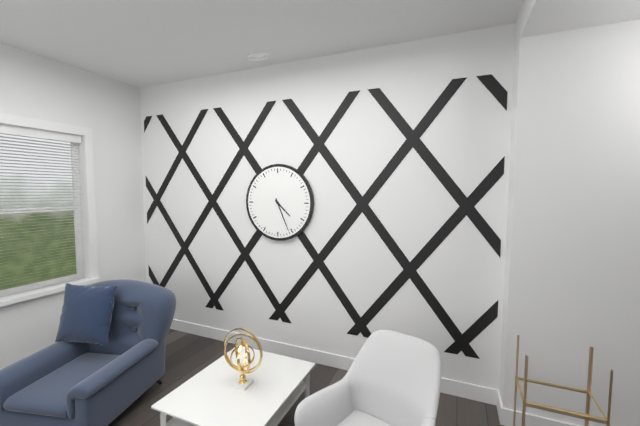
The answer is 4.26
